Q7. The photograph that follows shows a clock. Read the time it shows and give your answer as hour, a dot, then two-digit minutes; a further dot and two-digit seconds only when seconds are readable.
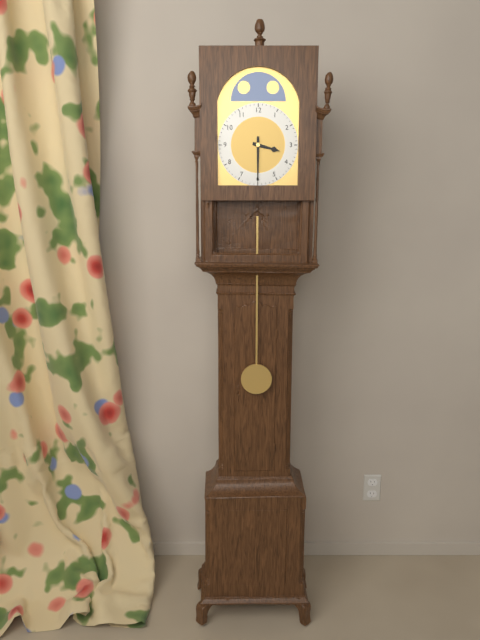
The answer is 3.30
